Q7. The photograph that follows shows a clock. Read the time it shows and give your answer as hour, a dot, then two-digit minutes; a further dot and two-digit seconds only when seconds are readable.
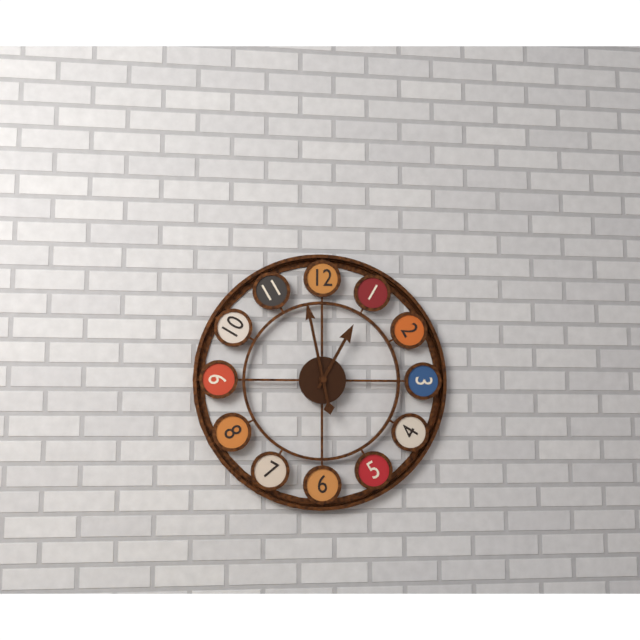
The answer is 12.58
